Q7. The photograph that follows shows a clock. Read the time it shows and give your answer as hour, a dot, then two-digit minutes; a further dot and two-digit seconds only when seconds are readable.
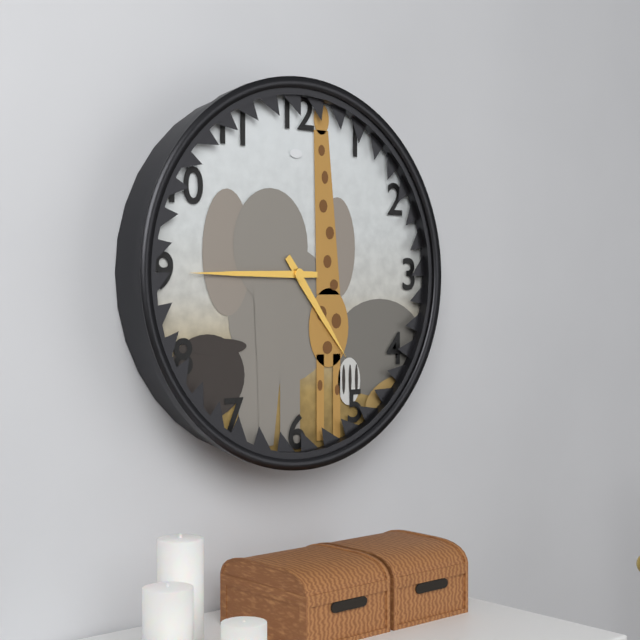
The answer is 4.45
